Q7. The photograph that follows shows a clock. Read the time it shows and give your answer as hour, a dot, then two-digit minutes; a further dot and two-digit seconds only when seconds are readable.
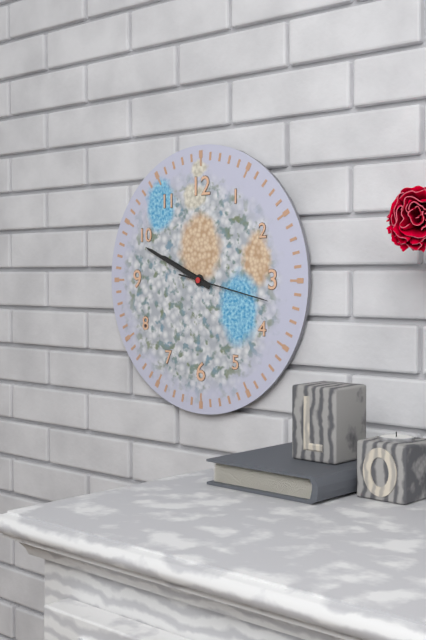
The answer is 9.49.17
